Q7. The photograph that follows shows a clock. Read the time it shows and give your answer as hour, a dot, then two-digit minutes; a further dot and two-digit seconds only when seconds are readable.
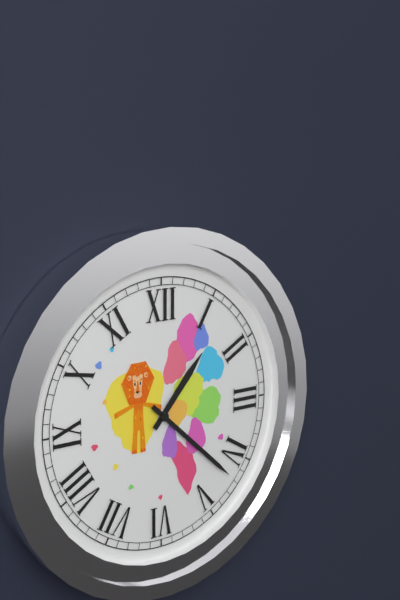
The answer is 1.22
